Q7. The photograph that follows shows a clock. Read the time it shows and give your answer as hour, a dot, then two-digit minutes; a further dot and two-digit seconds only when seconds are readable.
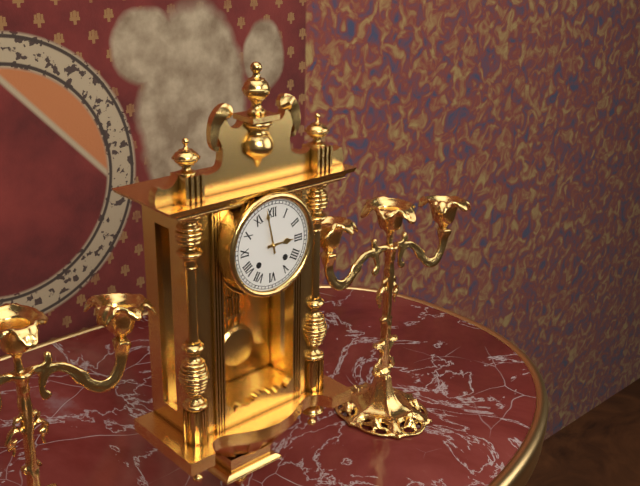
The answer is 2.58
